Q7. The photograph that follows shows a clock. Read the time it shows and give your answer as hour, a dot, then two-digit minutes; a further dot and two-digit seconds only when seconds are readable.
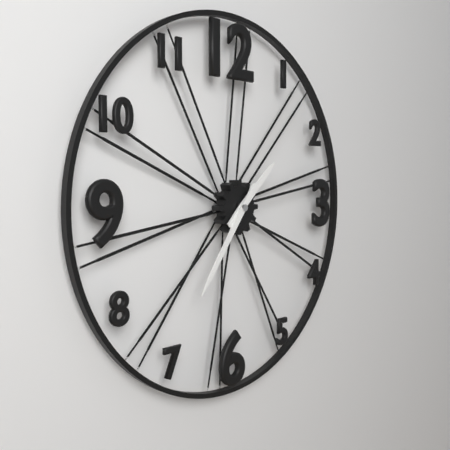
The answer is 1.36
